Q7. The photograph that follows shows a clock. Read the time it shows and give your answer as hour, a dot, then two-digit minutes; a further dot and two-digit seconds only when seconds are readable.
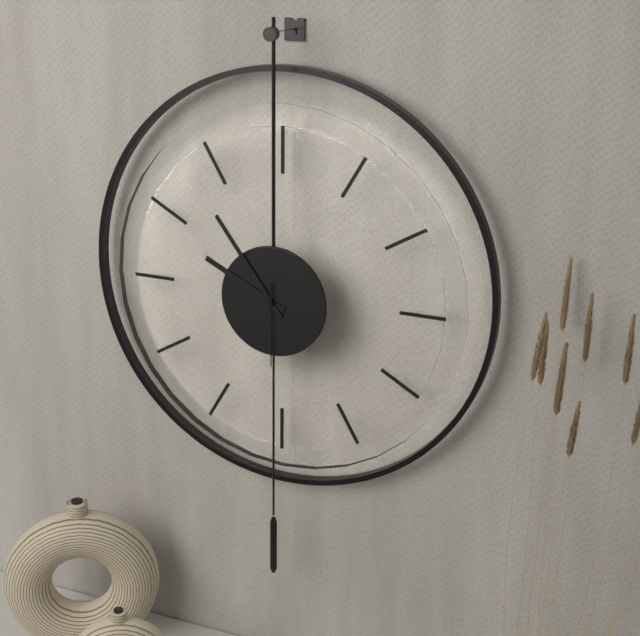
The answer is 9.54.30
